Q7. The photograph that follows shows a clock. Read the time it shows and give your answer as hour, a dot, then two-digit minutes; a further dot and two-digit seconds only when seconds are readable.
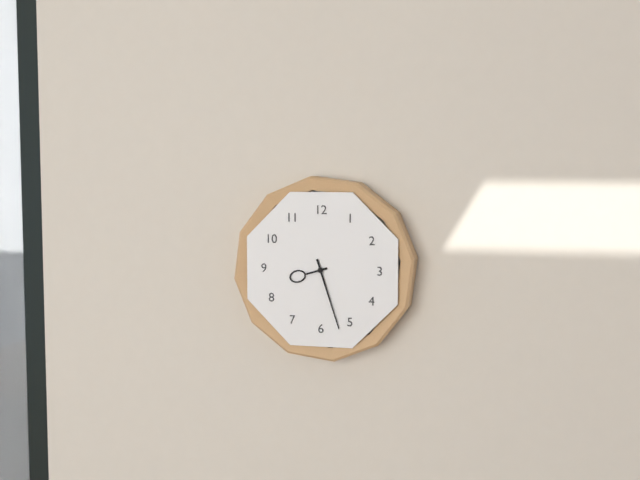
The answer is 8.27
